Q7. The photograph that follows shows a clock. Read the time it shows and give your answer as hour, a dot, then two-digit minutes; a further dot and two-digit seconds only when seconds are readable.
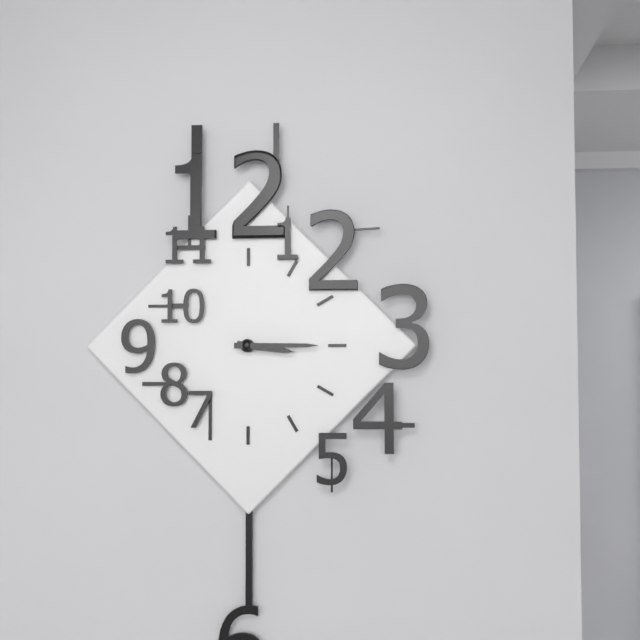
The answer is 3.15
